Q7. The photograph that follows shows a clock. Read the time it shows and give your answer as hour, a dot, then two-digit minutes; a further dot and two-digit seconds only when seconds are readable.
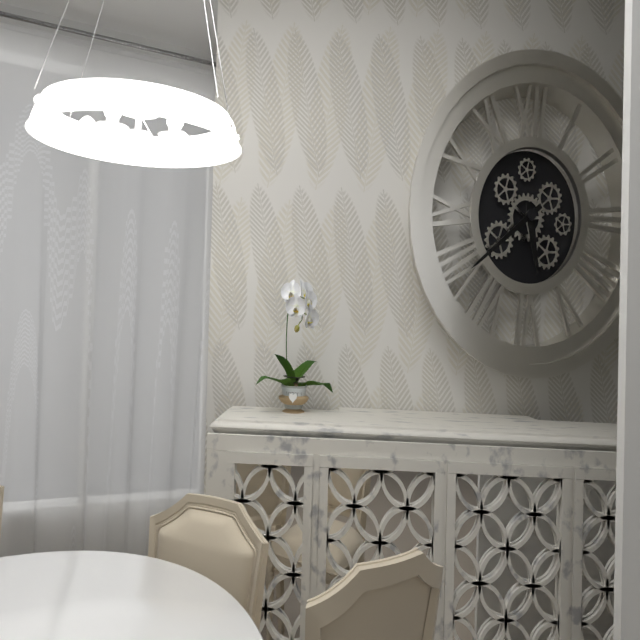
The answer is 5.39
